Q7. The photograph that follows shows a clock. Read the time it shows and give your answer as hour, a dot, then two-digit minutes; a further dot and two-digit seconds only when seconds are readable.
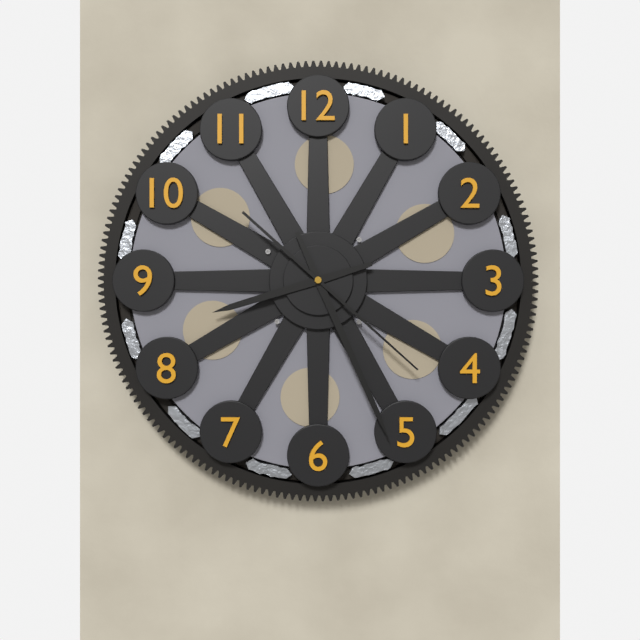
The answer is 8.26.22
